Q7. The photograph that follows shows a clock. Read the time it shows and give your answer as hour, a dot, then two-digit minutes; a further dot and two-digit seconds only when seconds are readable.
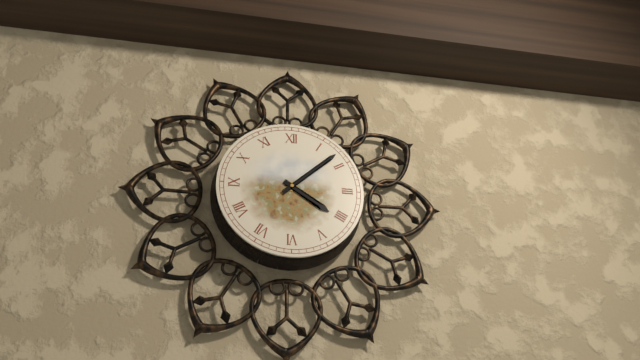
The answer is 4.08
